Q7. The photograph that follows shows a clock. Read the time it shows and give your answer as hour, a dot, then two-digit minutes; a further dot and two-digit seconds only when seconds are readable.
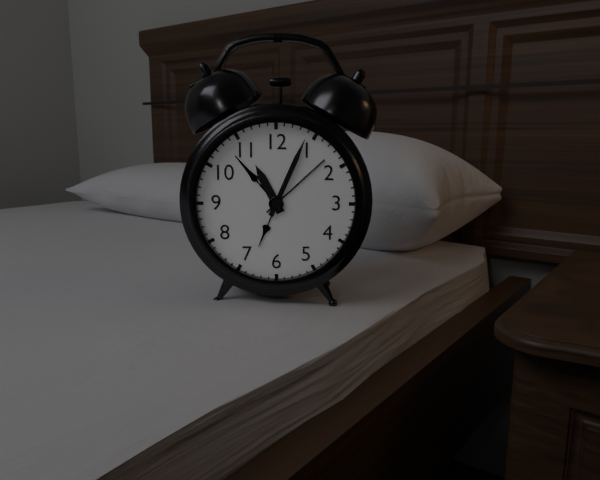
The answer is 11.04
